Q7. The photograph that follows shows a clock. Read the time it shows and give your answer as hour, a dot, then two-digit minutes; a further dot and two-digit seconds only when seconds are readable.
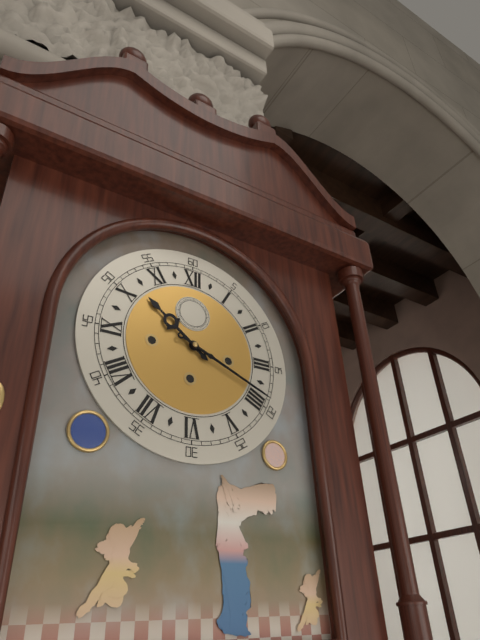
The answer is 10.19
